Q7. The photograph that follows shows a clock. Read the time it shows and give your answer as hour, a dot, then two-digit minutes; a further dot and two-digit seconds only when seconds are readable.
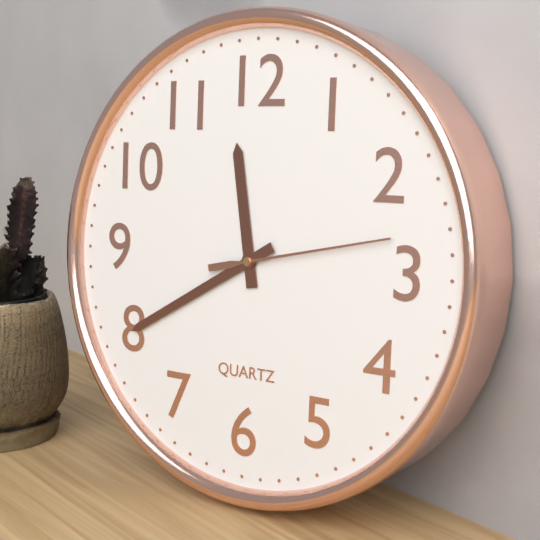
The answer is 11.40.13
